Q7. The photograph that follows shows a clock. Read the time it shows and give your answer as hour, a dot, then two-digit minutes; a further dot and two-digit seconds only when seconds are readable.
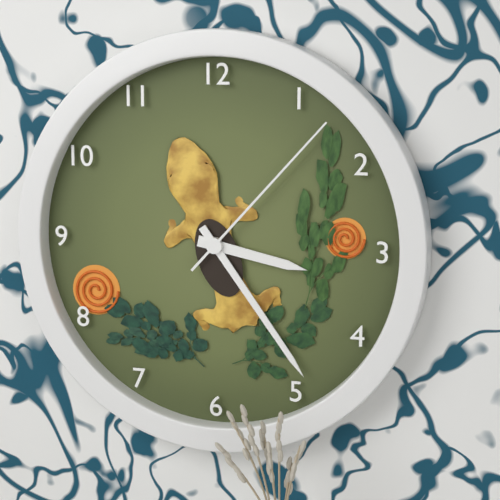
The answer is 3.24.07
